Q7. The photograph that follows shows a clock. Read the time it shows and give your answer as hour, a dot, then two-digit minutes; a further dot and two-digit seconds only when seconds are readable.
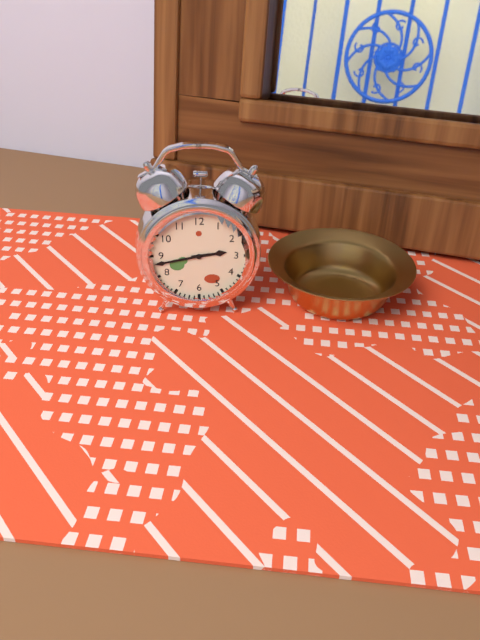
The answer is 2.43
